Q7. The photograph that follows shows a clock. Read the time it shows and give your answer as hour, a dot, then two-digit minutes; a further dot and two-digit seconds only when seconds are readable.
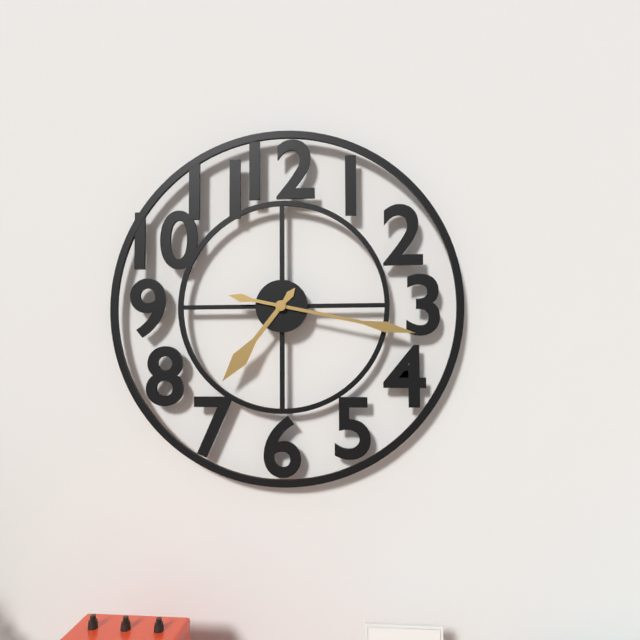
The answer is 7.17
